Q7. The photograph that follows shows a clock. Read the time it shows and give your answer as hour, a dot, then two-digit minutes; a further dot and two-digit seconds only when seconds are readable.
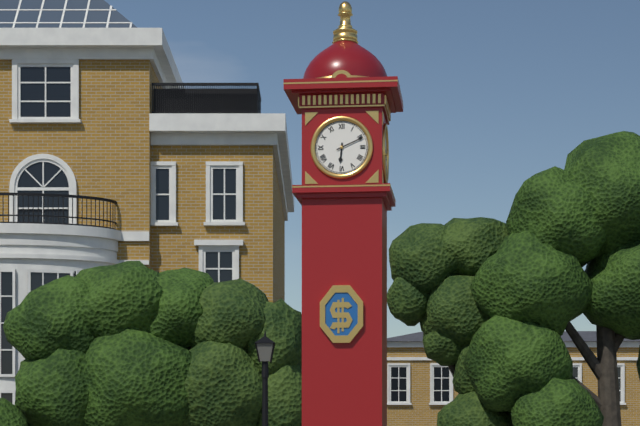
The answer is 6.11
